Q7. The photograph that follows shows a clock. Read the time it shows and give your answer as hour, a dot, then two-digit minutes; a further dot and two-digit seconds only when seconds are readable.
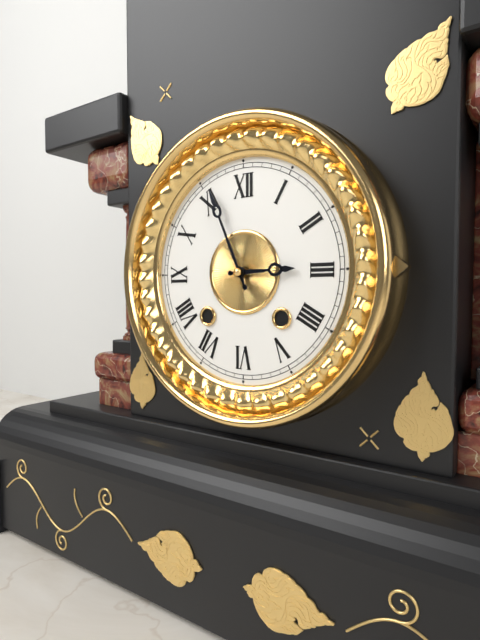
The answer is 2.56
